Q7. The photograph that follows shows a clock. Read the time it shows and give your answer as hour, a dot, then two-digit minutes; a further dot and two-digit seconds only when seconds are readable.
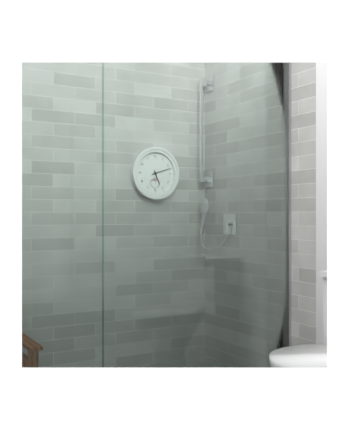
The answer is 5.12
